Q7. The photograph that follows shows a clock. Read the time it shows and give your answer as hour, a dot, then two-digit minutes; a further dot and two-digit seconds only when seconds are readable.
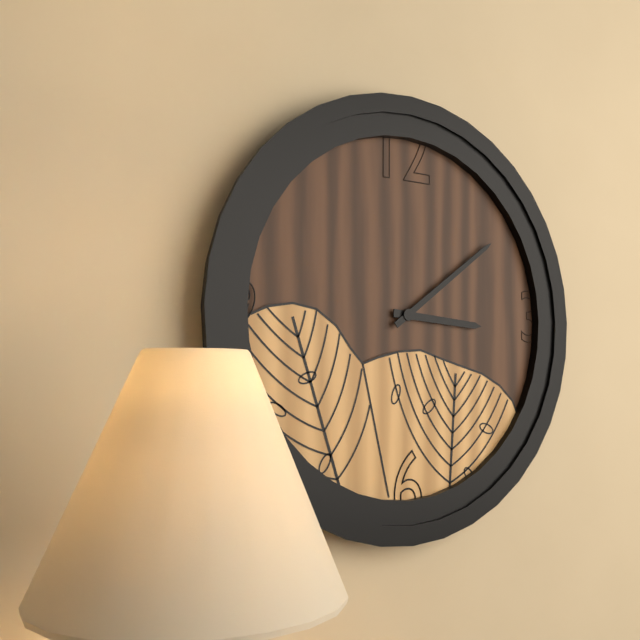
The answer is 3.09
